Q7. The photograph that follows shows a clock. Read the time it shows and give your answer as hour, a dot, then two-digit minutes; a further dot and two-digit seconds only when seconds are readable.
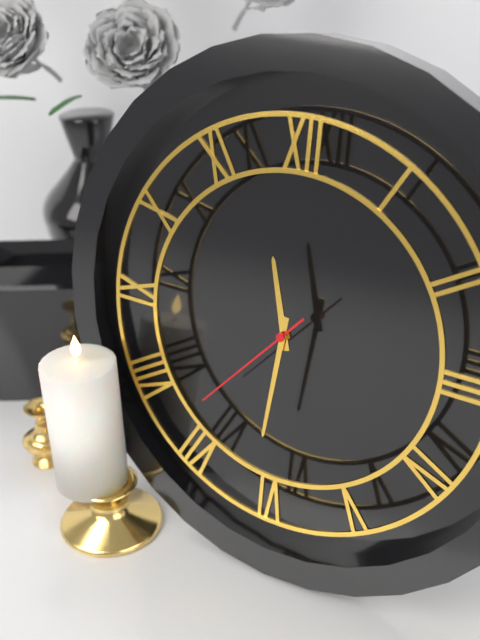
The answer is 11.31.37
